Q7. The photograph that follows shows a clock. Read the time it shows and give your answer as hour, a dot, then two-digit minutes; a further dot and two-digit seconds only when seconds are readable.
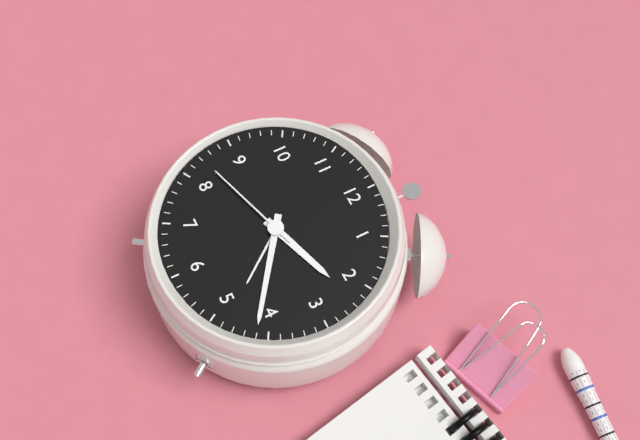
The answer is 2.21.42
